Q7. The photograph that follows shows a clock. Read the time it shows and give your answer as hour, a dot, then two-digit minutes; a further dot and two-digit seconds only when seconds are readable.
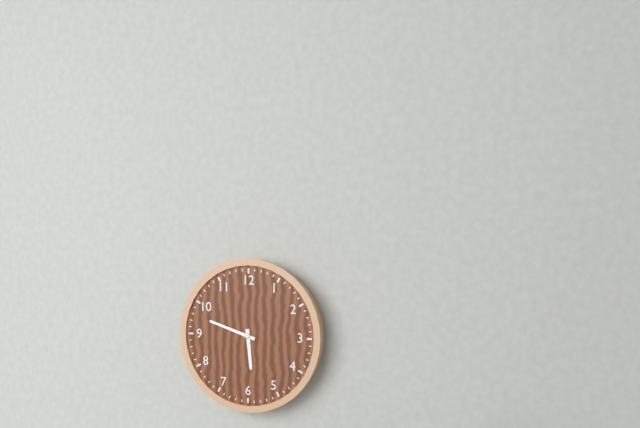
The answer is 5.48
